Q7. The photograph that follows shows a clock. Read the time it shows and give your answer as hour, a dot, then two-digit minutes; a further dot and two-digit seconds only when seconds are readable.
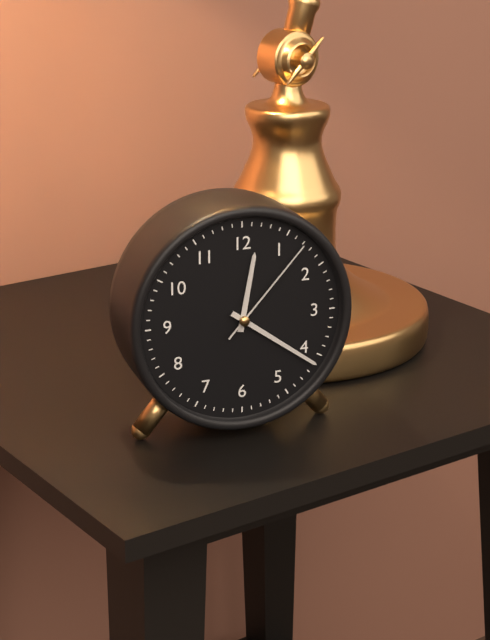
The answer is 12.21.07
